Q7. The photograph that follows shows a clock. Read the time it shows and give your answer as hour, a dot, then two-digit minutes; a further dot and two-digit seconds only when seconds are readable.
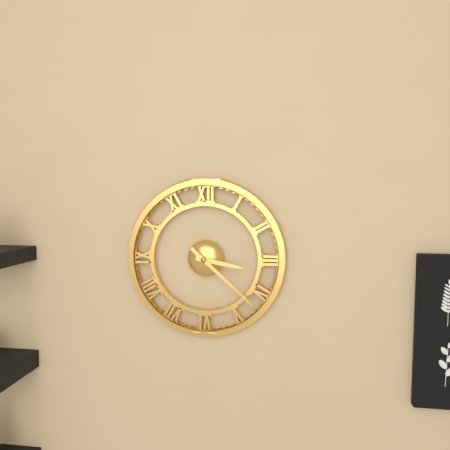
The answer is 3.22
